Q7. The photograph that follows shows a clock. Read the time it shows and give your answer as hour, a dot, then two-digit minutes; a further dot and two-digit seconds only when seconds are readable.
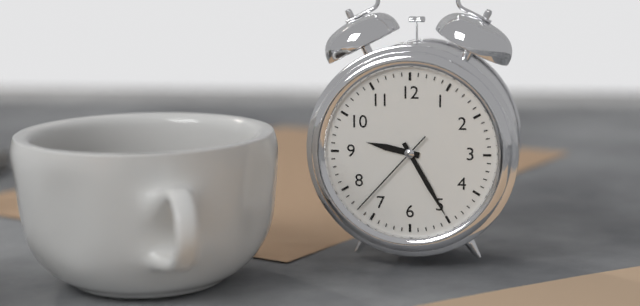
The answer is 9.25.37
